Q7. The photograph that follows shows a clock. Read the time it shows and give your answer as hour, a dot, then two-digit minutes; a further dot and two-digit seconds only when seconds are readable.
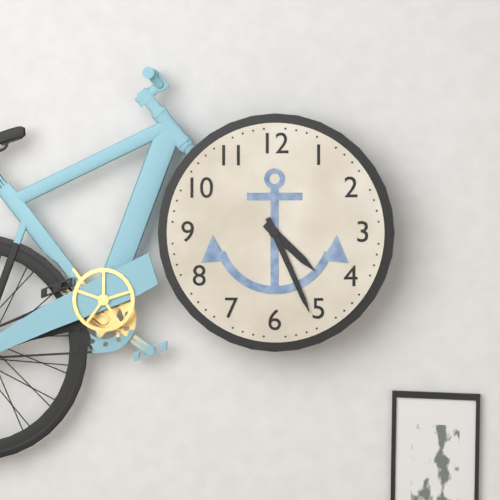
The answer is 4.26
